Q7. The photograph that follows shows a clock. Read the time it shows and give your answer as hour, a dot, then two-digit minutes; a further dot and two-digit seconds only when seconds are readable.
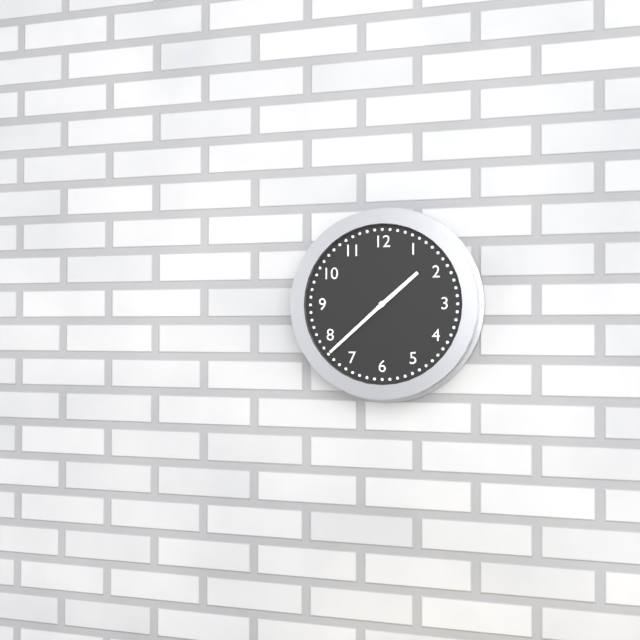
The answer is 1.38
